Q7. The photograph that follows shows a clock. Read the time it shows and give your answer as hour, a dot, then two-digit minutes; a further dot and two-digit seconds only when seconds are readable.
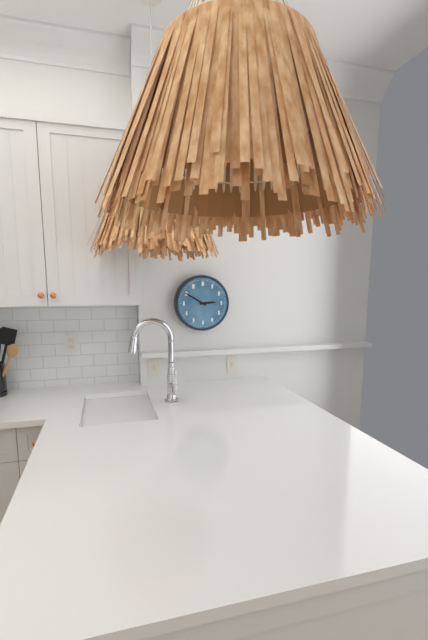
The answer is 2.50
